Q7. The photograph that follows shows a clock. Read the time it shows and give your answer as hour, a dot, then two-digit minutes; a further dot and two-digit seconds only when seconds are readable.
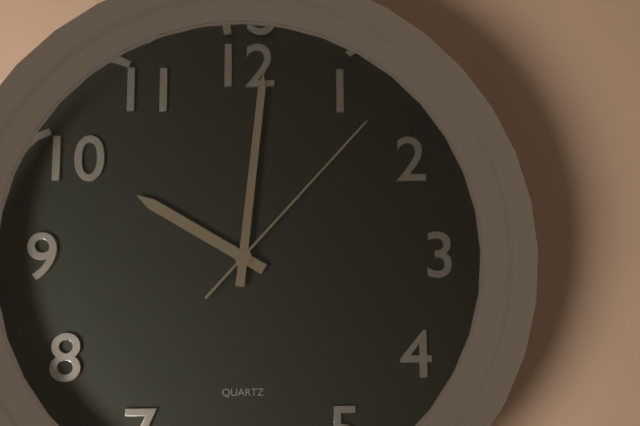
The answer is 10.01.07
